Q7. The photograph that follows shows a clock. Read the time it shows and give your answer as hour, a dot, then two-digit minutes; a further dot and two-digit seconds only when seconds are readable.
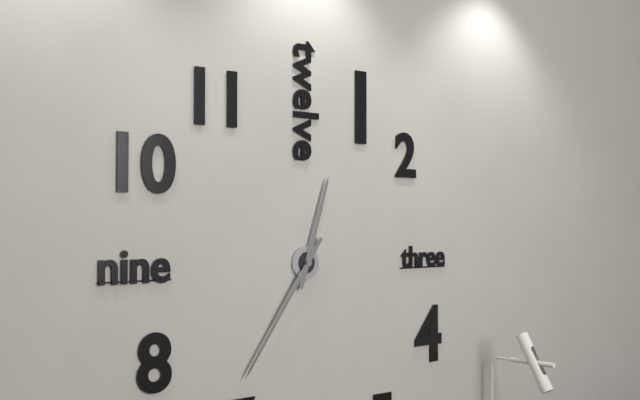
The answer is 12.36
